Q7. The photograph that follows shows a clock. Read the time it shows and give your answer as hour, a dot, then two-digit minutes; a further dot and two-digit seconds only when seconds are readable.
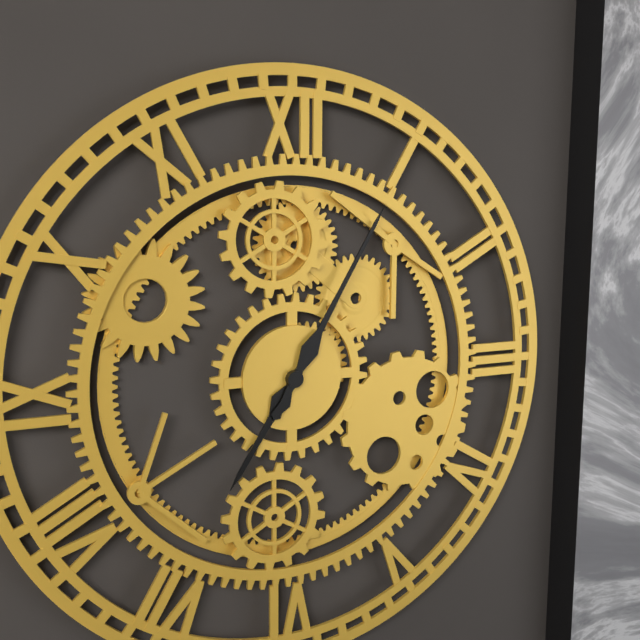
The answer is 7.05
